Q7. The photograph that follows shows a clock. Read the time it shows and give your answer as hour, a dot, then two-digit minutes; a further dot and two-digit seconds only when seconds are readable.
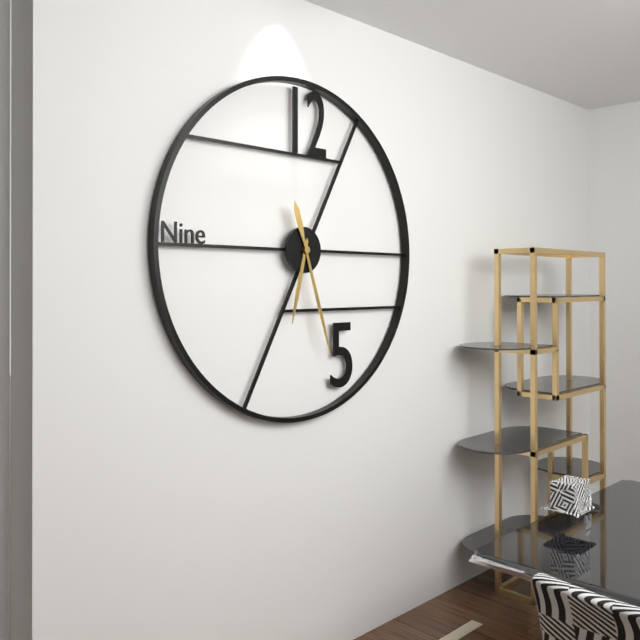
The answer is 6.27
